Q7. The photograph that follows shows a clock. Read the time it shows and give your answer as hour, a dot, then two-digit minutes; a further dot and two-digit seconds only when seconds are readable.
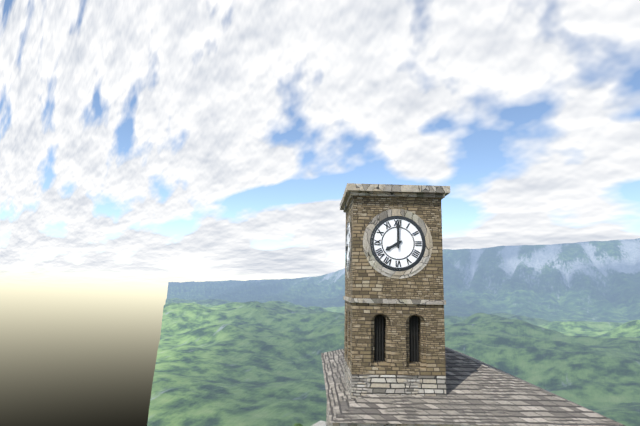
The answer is 8.00
